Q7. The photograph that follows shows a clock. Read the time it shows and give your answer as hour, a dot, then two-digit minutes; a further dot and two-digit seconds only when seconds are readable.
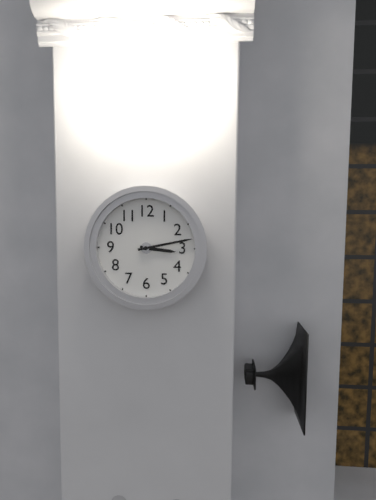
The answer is 3.13
